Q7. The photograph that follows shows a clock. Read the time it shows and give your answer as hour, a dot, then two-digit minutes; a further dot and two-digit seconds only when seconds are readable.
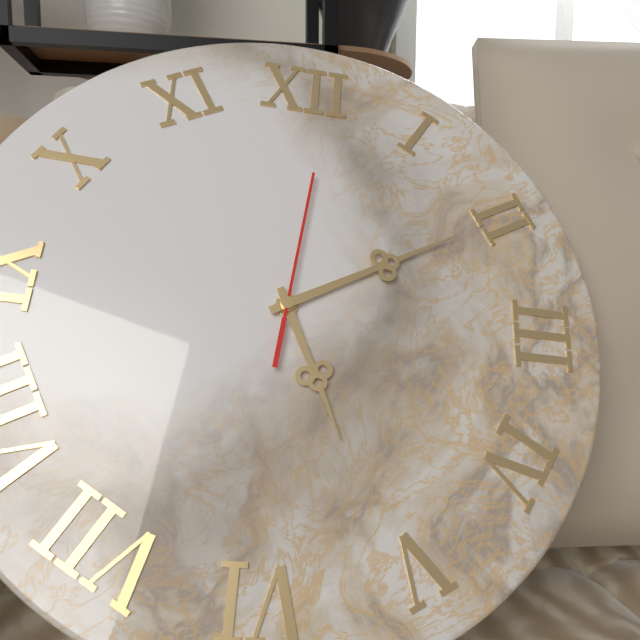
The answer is 5.10.01
